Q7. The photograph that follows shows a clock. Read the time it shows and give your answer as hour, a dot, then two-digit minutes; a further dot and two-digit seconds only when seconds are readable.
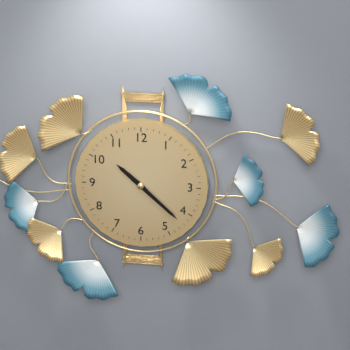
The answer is 10.22
